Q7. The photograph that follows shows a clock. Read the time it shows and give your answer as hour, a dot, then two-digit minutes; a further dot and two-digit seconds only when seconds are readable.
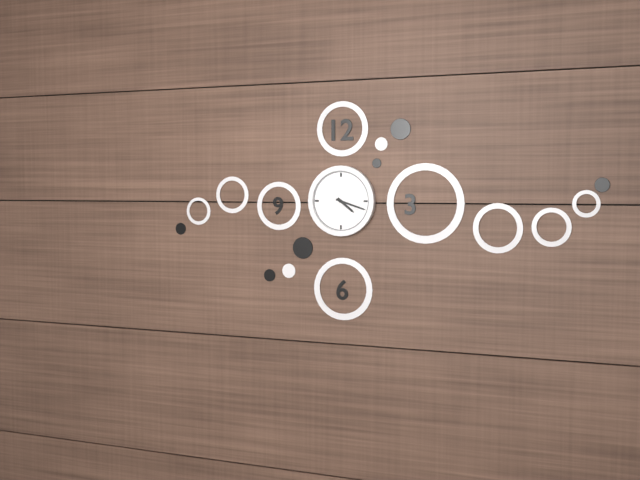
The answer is 4.18
